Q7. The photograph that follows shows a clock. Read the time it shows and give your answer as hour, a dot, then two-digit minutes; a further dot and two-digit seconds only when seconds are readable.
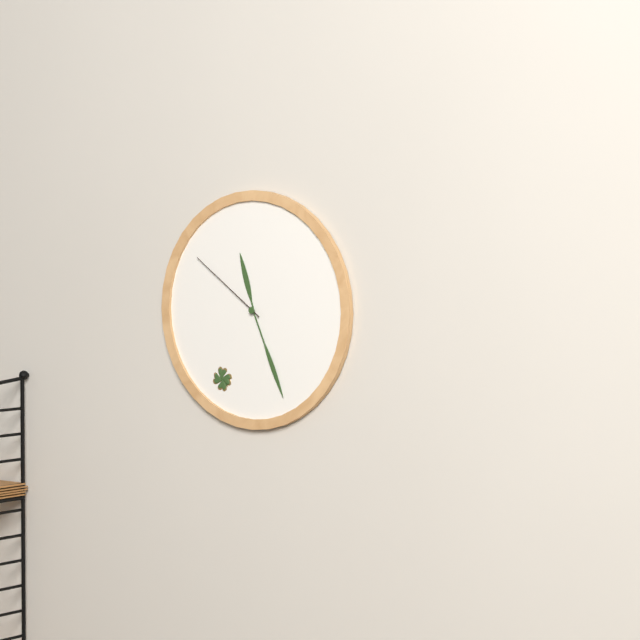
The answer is 11.26.51
